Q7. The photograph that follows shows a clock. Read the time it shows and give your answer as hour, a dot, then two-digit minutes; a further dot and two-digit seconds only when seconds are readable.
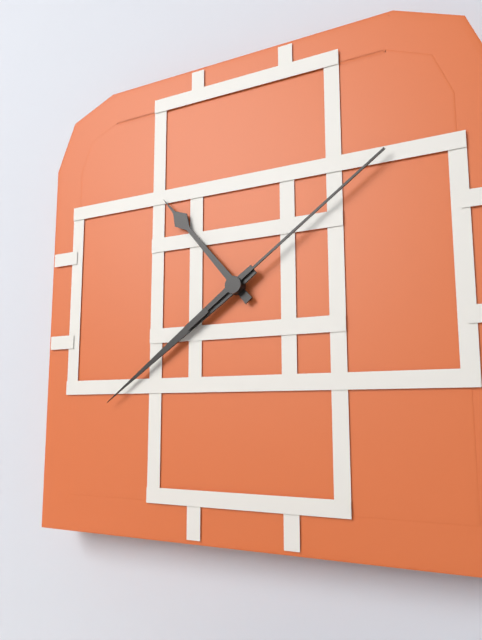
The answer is 10.39.09
